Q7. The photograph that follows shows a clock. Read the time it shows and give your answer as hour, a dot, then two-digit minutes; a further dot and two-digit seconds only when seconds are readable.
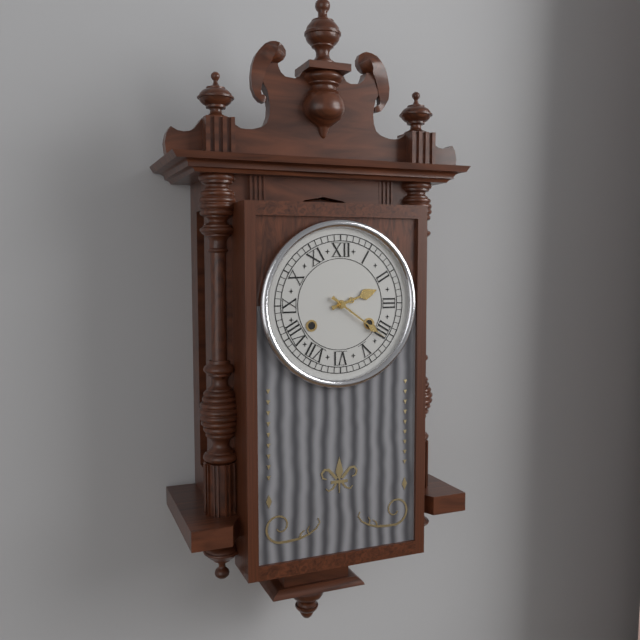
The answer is 2.21
